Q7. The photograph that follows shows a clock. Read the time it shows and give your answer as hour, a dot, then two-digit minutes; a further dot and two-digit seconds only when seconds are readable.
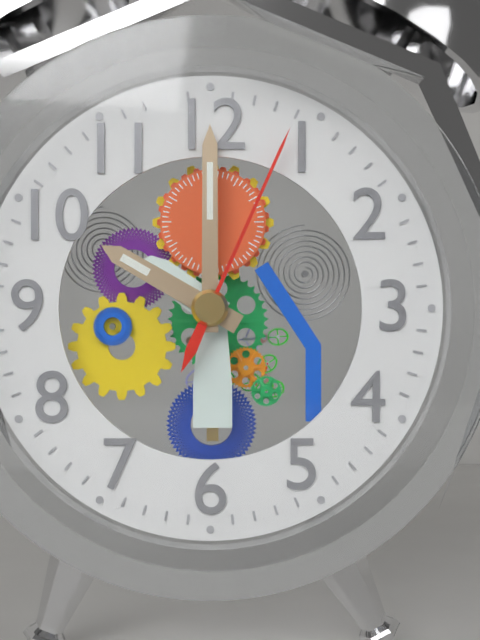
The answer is 10.00.04
